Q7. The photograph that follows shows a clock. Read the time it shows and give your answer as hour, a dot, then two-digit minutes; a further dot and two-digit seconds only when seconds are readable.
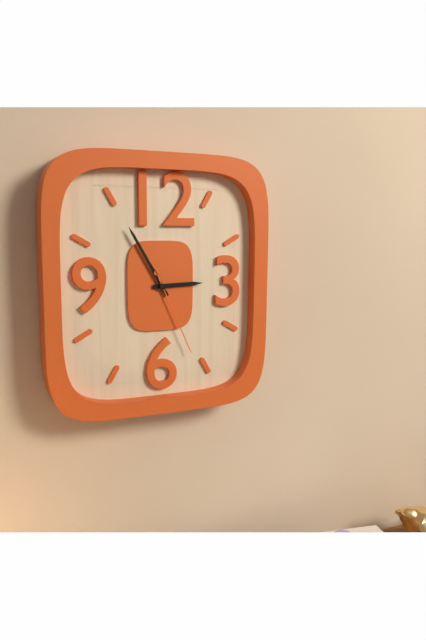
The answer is 2.55.26
